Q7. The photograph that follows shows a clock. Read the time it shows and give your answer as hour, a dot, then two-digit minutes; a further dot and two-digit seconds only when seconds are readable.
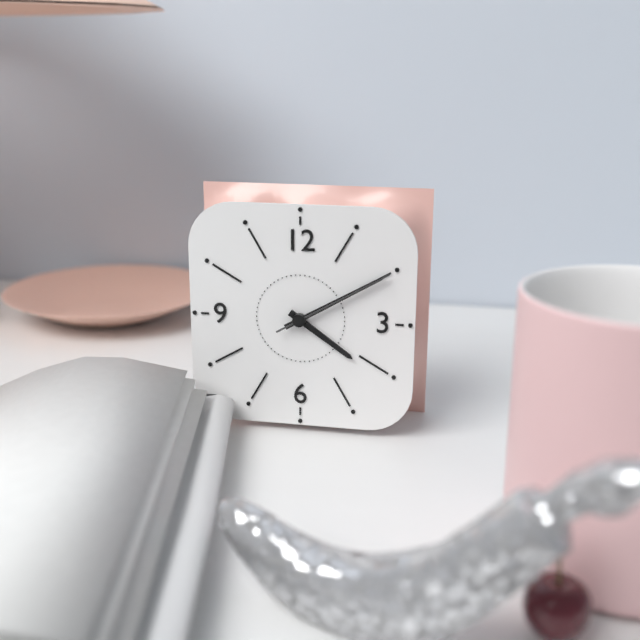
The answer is 4.10.10
